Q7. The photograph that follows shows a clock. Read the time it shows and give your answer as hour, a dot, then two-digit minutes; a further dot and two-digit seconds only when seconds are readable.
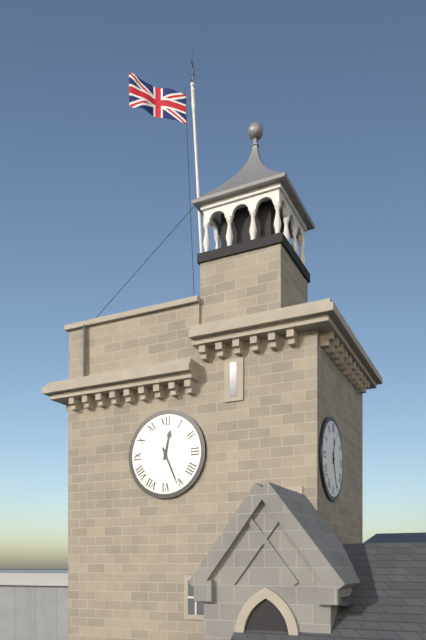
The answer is 12.26
